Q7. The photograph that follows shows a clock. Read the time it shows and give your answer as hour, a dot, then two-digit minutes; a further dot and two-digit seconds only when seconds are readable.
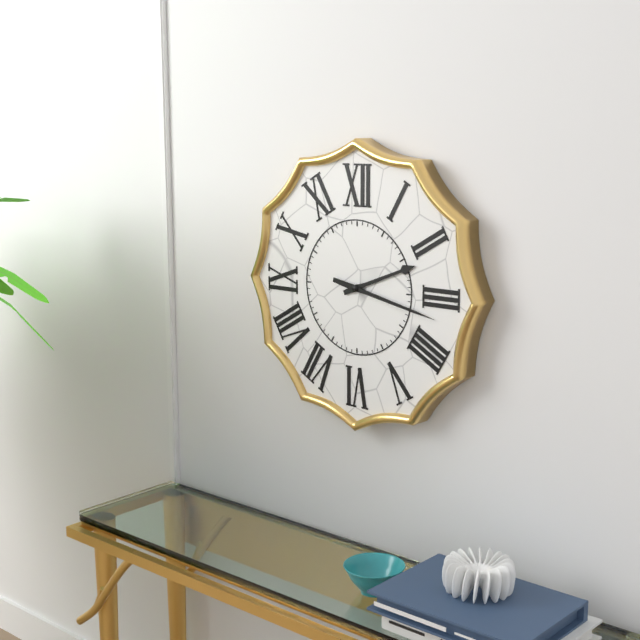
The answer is 2.17
